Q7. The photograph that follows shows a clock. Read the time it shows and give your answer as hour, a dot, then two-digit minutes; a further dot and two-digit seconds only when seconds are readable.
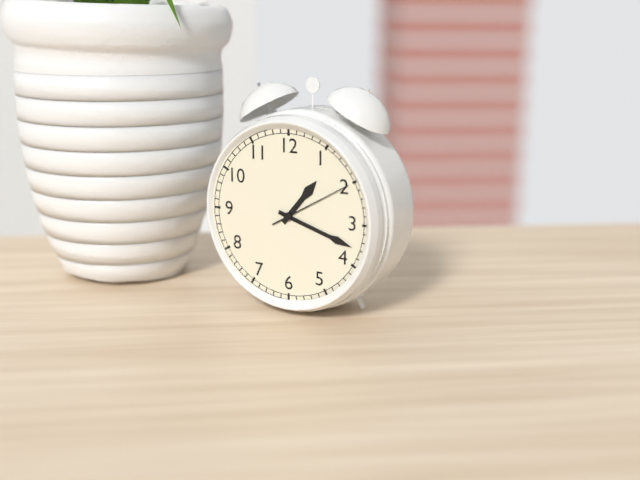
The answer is 1.18.10
